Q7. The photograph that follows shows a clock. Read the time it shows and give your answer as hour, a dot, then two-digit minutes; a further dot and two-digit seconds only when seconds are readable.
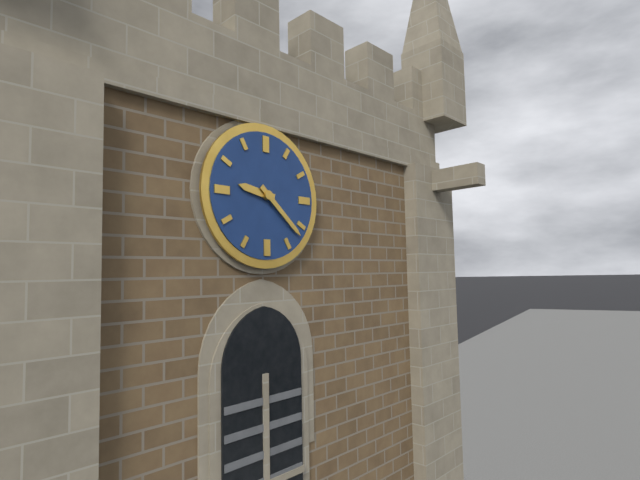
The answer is 9.22
